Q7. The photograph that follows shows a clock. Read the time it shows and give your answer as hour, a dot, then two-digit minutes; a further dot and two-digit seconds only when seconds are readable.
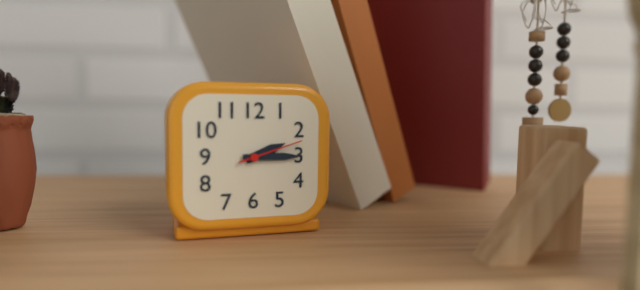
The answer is 2.15.12
